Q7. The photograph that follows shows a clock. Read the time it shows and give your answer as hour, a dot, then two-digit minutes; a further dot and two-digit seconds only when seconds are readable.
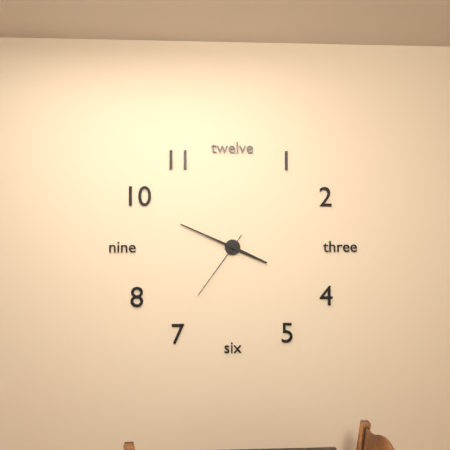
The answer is 3.49.36
